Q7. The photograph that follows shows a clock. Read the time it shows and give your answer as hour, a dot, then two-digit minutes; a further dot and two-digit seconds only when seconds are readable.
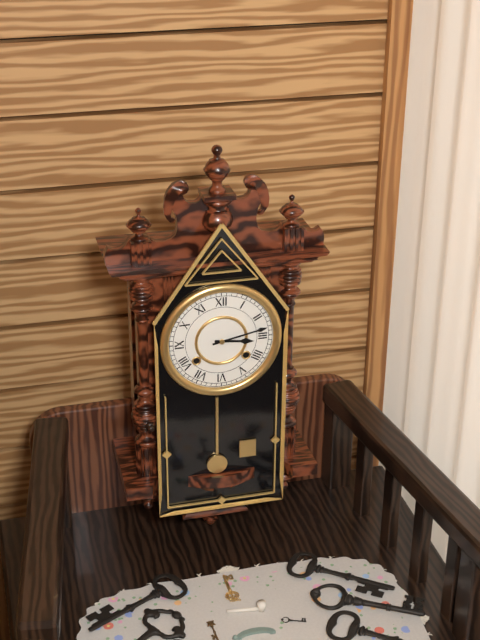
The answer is 3.13
